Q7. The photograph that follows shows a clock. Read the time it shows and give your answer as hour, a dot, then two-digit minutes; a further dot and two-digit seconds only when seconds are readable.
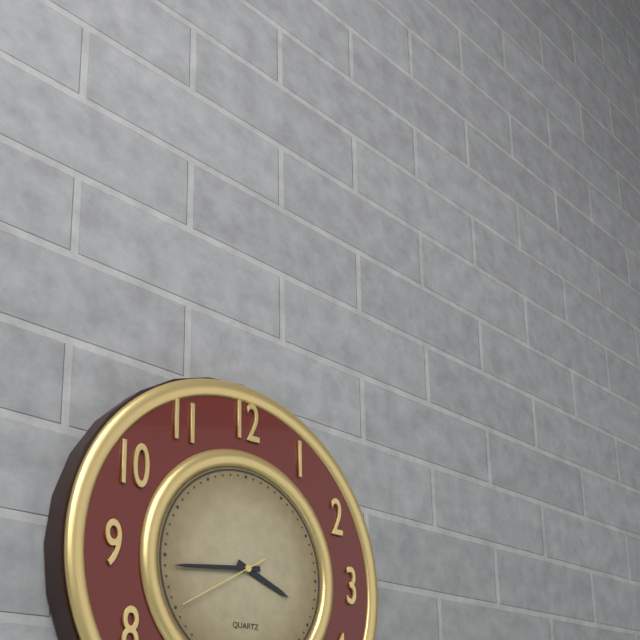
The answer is 3.44.40
